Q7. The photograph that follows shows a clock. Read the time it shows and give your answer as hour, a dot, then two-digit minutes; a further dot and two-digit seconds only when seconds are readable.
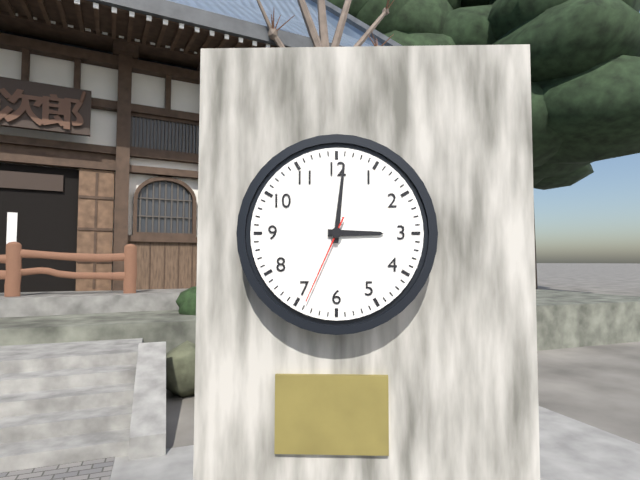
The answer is 3.01.34
